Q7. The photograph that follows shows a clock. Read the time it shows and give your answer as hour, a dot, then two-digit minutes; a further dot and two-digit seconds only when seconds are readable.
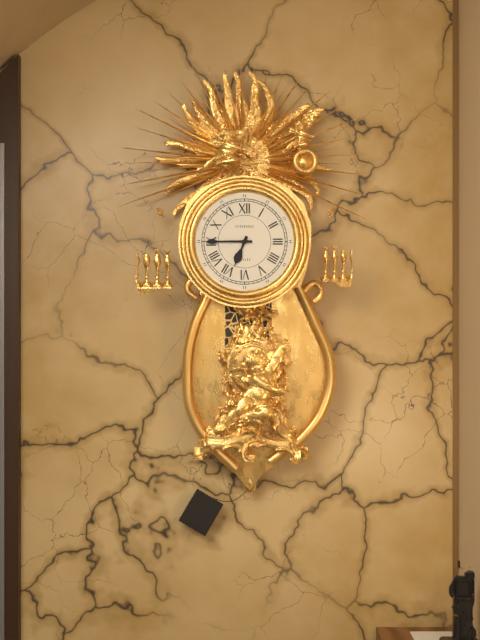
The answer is 6.45
